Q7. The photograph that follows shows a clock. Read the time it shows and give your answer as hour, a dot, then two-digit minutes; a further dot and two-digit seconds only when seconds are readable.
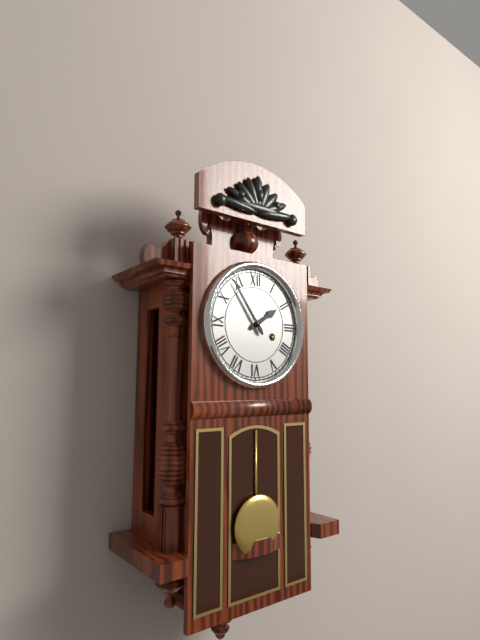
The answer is 1.54
